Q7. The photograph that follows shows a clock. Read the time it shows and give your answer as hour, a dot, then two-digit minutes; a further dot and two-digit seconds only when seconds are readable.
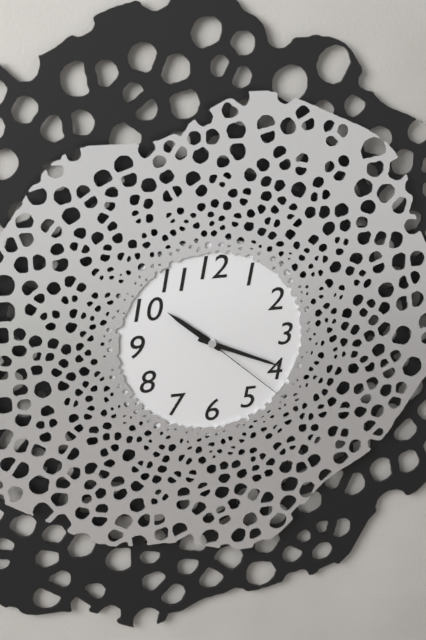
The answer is 10.19.22
